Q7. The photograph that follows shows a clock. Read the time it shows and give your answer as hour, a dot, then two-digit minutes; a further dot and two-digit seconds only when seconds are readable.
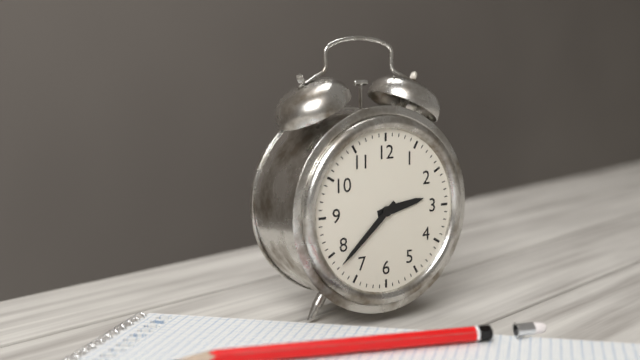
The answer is 2.38
